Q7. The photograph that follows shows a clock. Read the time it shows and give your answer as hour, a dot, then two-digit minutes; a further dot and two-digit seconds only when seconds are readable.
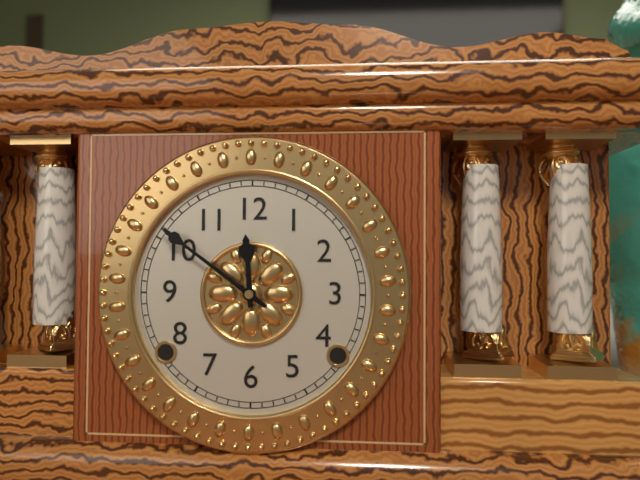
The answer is 11.51
